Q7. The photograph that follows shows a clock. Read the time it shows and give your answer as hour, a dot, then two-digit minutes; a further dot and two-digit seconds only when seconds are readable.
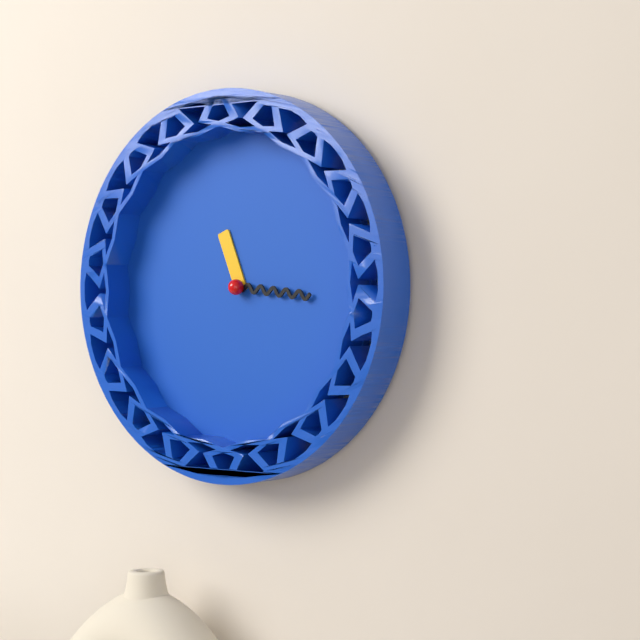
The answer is 11.16
